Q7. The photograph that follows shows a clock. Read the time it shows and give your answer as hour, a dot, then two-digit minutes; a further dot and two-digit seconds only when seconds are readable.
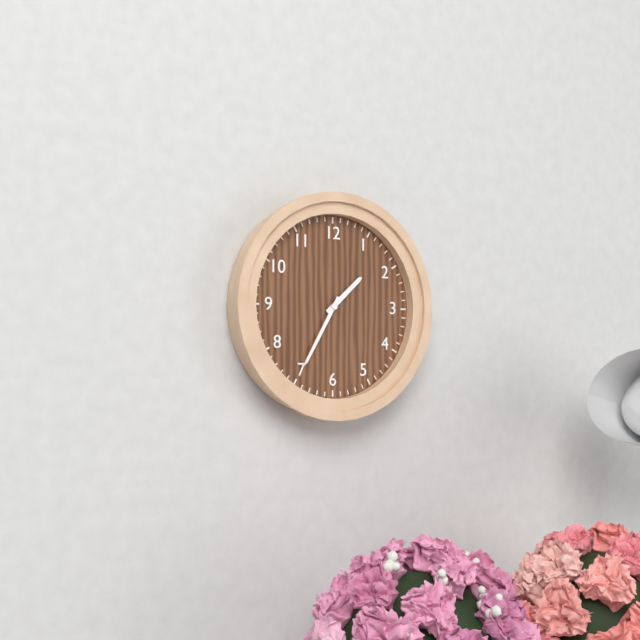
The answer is 1.35
